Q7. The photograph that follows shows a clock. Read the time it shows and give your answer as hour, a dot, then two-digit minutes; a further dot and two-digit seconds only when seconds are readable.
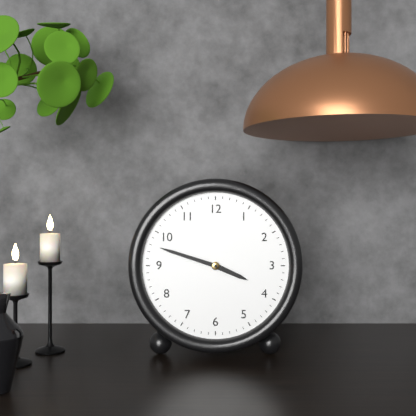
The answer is 3.48
